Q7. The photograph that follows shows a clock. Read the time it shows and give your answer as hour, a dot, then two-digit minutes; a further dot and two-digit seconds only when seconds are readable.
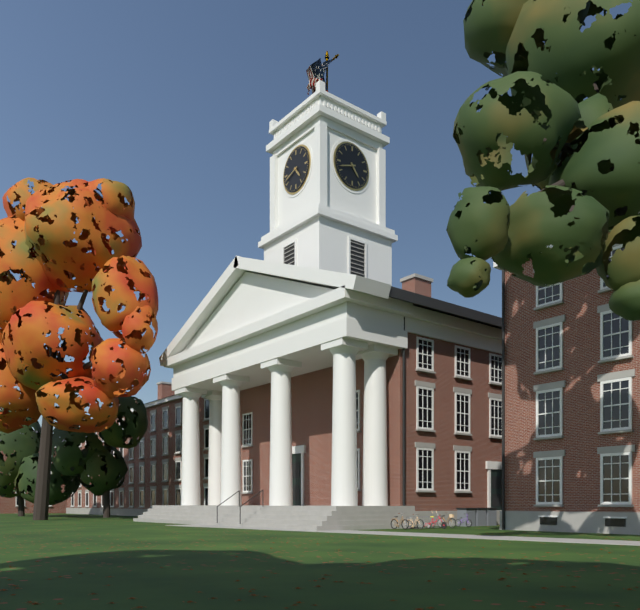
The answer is 4.42
